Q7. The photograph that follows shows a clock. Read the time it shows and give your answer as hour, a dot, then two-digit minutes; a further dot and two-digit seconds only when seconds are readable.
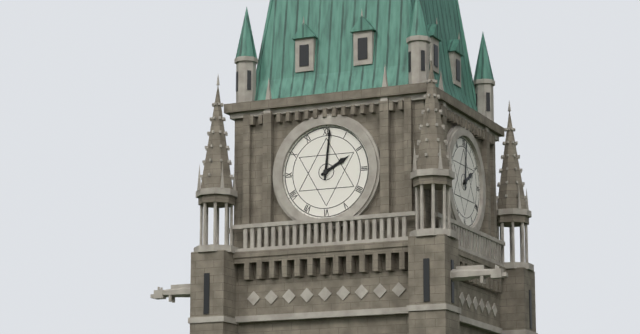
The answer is 2.01
